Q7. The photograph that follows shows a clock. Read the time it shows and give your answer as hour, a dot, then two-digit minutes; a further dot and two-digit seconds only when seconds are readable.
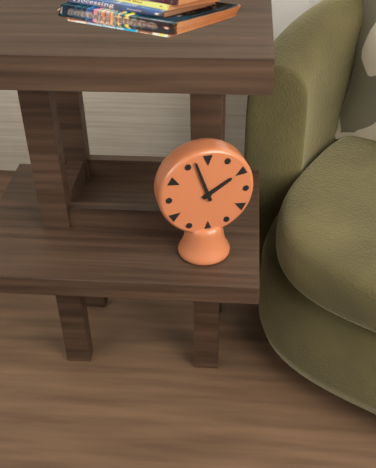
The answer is 1.57
